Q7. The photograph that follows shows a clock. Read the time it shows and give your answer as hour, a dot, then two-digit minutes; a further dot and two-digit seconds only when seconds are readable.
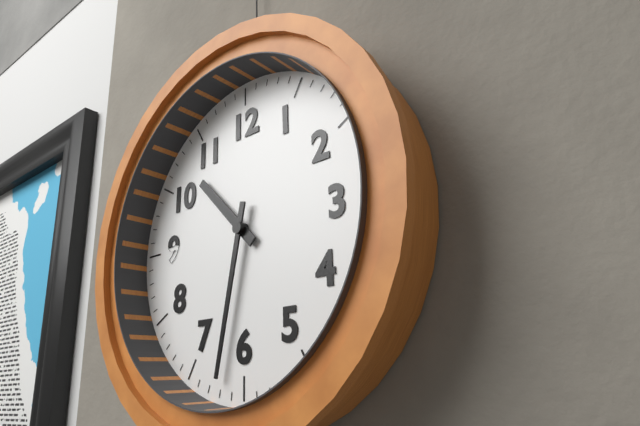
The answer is 10.32
